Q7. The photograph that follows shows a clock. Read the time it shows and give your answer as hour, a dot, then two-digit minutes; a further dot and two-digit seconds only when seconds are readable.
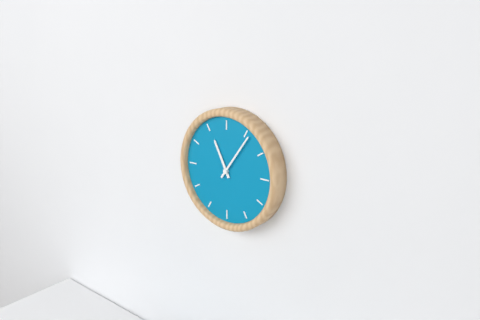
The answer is 11.06
